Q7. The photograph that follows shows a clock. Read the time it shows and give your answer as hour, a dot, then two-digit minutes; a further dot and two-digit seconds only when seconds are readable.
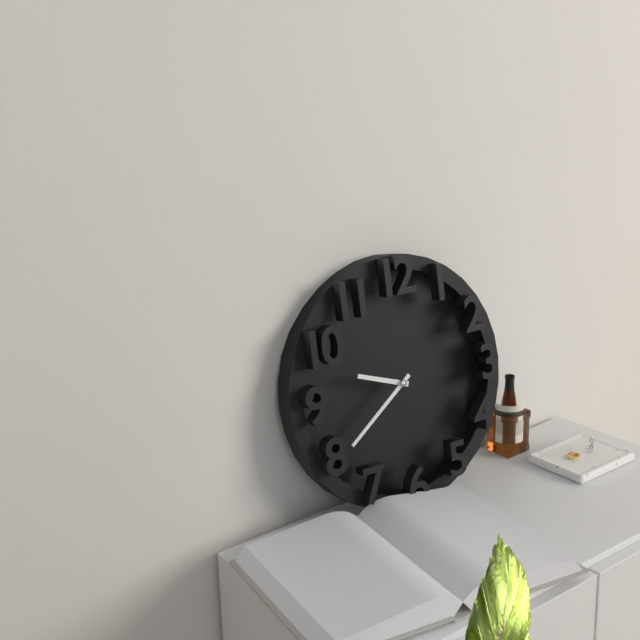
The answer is 9.39
